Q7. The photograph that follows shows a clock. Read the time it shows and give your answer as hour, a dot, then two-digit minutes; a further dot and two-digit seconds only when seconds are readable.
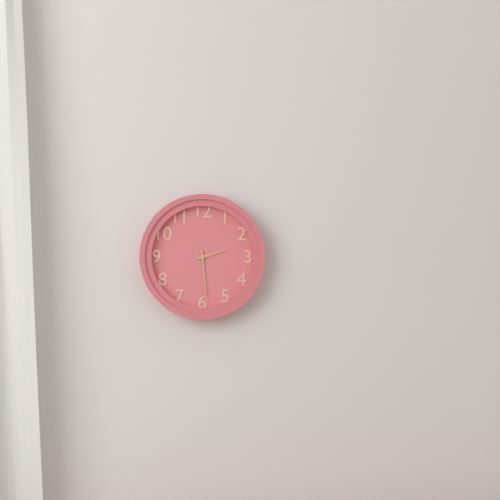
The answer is 2.29
